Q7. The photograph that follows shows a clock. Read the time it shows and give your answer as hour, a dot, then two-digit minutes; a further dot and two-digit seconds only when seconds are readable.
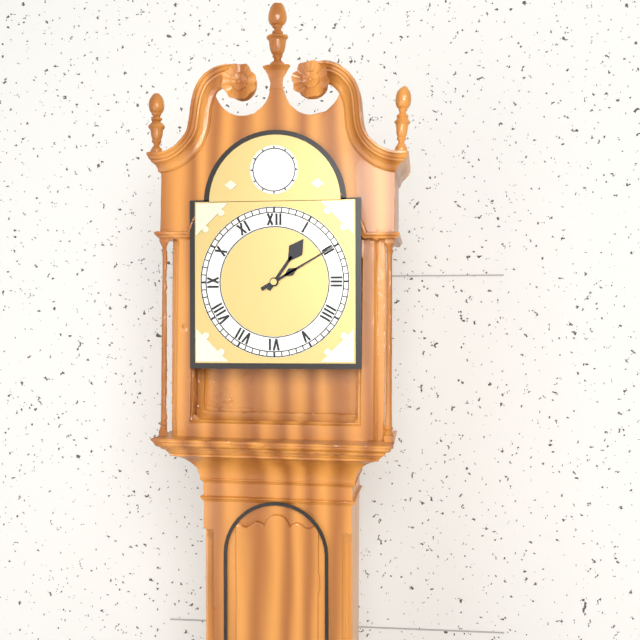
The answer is 1.10
